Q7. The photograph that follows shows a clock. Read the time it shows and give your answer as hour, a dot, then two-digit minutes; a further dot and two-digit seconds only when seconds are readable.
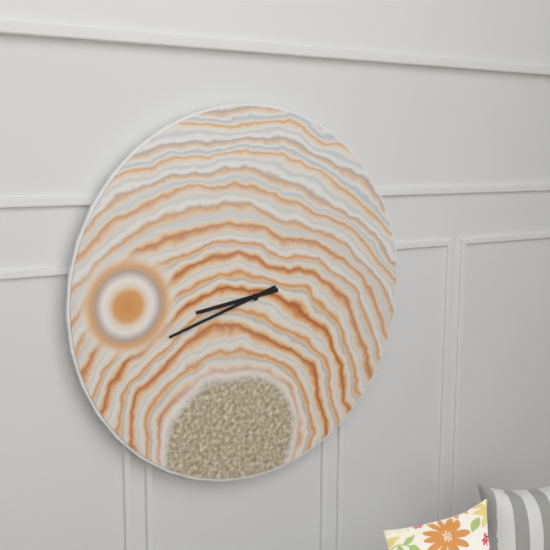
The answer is 8.42
